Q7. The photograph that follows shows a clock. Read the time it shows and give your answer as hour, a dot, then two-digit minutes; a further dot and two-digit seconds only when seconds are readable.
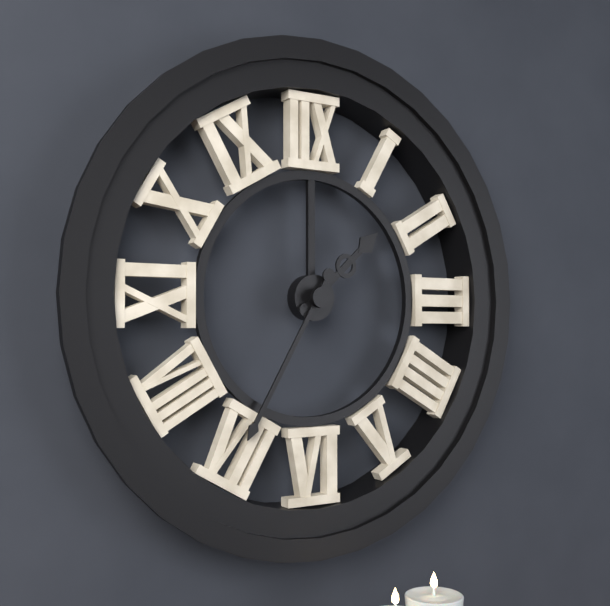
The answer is 1.35
